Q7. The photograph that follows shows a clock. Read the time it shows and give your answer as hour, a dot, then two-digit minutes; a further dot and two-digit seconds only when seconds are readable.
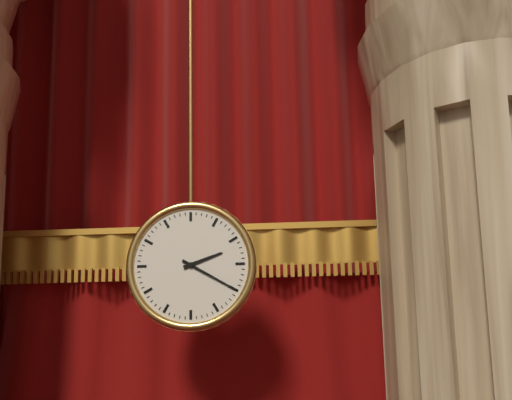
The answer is 2.20
